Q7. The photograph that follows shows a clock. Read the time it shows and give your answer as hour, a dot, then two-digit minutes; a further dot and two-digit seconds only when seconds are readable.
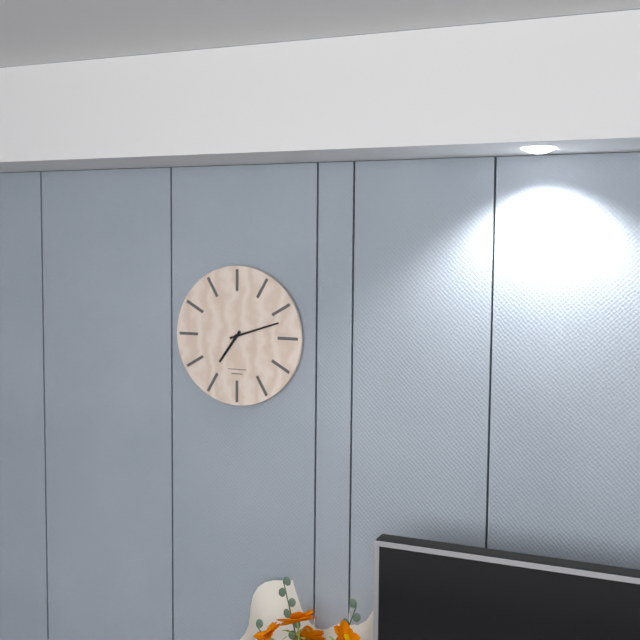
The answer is 7.12
